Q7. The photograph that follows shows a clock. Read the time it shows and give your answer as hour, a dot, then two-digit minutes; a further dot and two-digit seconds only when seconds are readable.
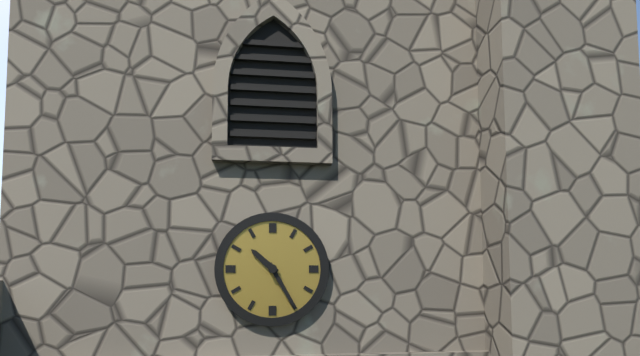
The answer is 10.25
